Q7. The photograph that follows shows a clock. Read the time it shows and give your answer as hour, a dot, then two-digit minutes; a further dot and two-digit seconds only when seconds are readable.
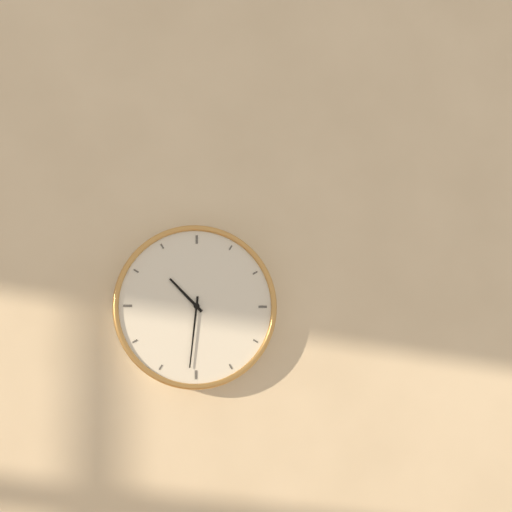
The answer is 10.31
